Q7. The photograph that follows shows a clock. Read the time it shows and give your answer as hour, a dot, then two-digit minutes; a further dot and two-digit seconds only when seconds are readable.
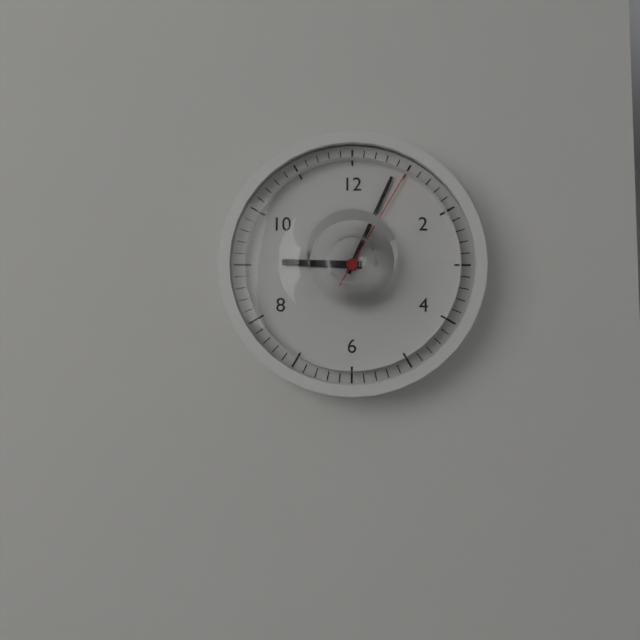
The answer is 9.04.05
